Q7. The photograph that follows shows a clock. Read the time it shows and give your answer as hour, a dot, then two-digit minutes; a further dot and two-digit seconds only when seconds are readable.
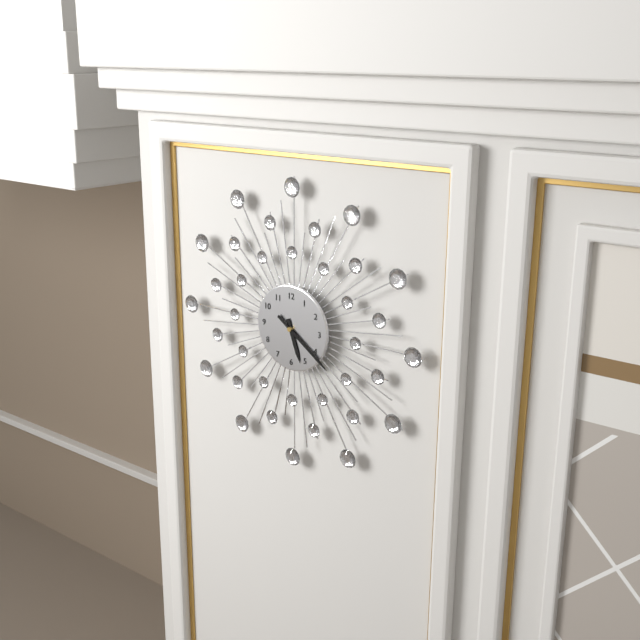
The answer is 5.21
